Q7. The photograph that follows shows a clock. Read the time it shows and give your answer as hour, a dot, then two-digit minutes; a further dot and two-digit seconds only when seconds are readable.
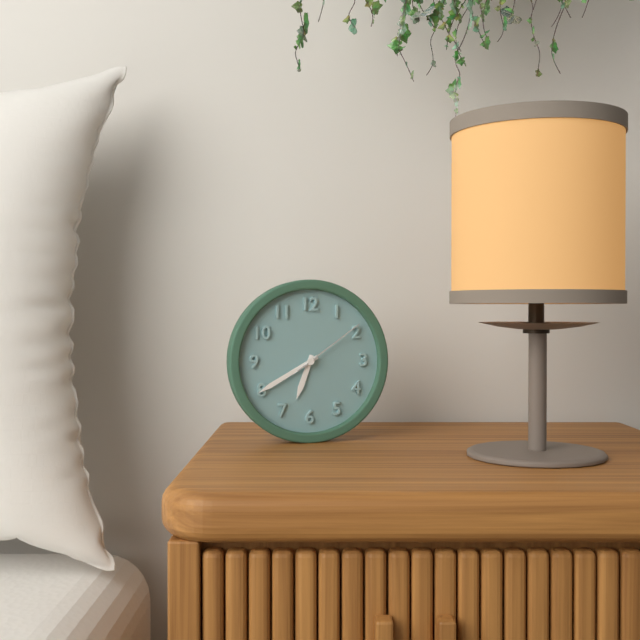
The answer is 6.40.09
